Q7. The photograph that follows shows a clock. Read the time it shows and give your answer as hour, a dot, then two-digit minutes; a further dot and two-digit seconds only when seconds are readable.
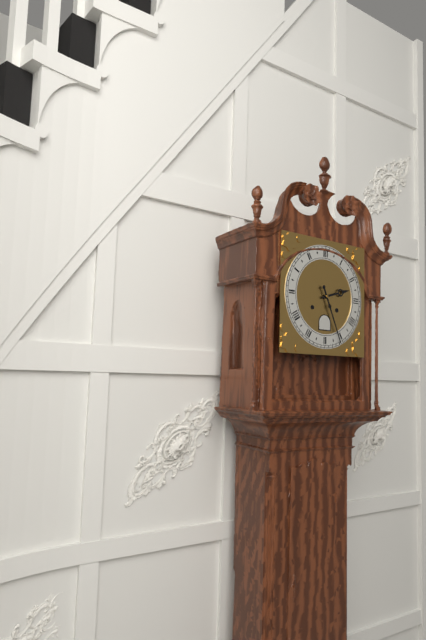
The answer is 2.26
